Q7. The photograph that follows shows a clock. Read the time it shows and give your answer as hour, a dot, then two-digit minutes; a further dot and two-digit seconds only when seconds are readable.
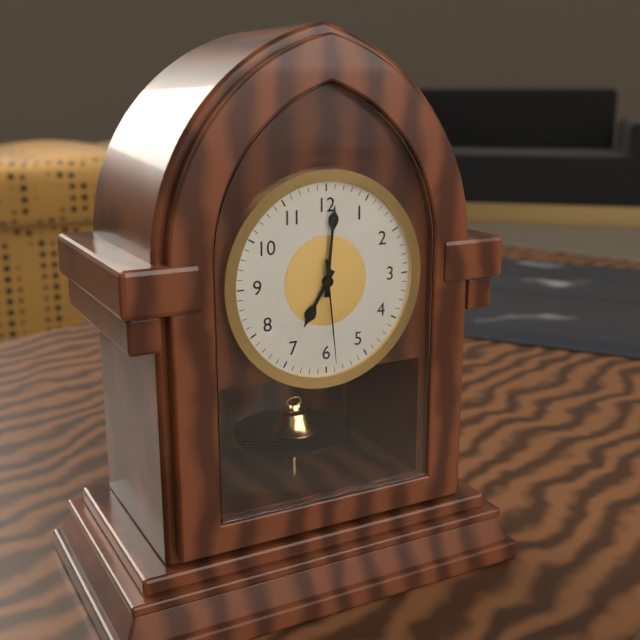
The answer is 7.01.29
